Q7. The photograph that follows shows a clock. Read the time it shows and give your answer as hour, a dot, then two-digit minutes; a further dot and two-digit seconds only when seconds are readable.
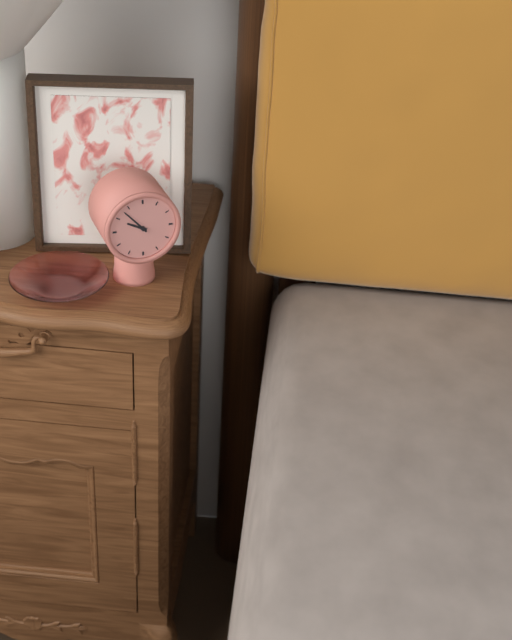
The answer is 9.53
